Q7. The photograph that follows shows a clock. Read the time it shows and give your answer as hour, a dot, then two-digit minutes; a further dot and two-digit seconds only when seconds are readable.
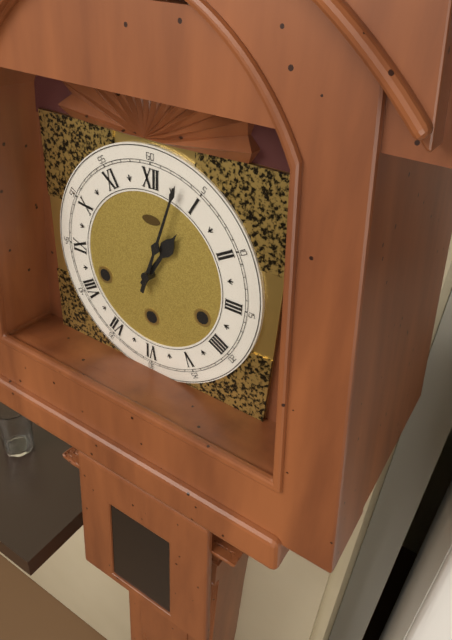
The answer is 1.03
